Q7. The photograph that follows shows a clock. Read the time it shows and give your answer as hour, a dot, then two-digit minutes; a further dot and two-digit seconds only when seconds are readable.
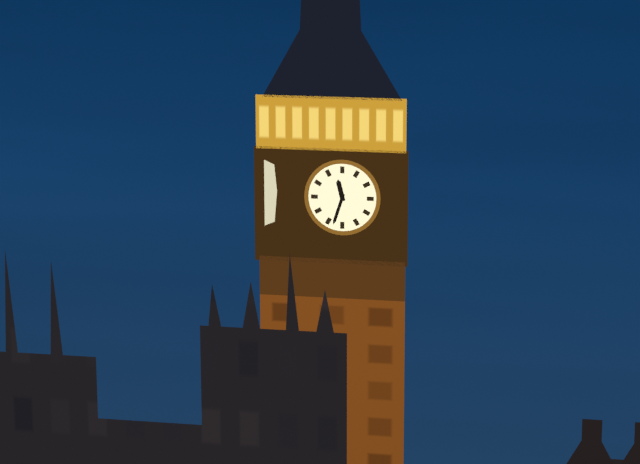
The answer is 11.33
